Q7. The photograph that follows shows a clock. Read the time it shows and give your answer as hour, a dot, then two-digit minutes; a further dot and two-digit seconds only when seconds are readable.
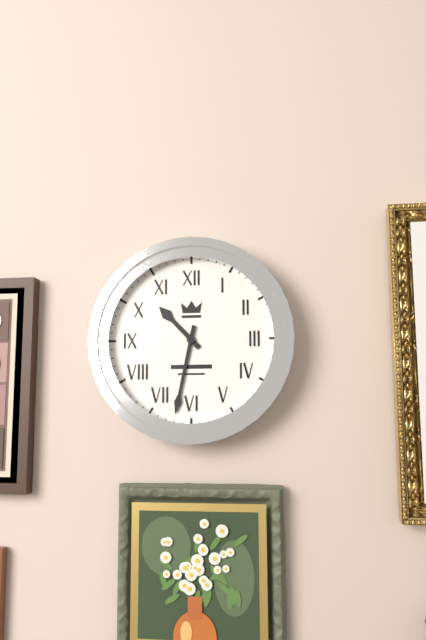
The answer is 10.32
